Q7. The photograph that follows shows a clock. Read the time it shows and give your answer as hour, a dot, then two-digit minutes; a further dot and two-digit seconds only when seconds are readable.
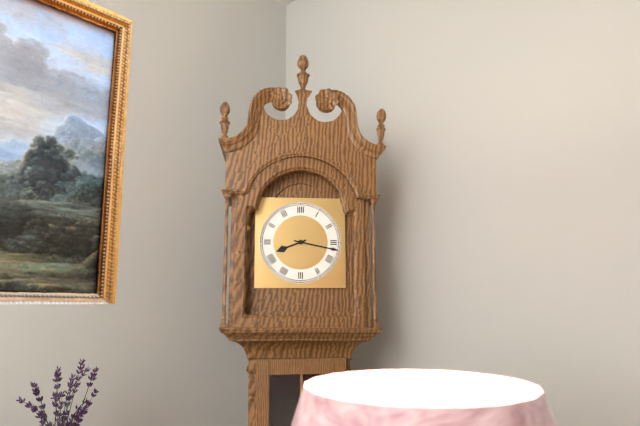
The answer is 8.17
